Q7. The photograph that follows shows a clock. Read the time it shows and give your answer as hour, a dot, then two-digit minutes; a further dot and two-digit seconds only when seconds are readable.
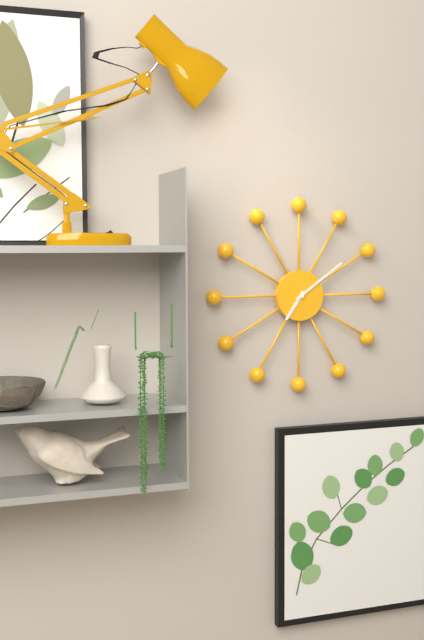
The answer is 7.09
